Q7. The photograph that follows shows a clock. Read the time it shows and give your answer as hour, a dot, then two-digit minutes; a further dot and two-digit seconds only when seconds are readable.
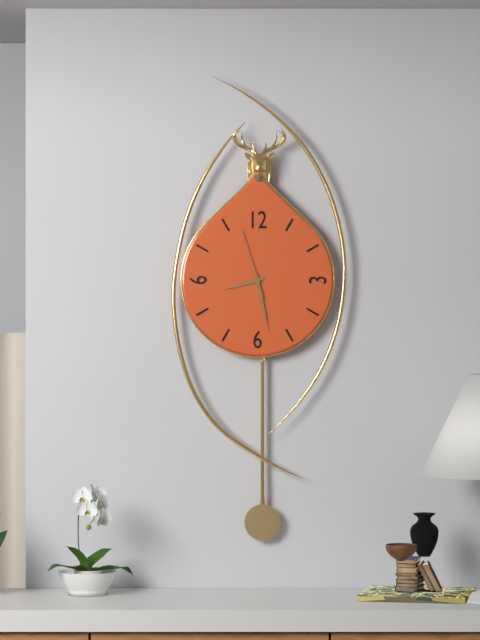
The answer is 8.28.57
